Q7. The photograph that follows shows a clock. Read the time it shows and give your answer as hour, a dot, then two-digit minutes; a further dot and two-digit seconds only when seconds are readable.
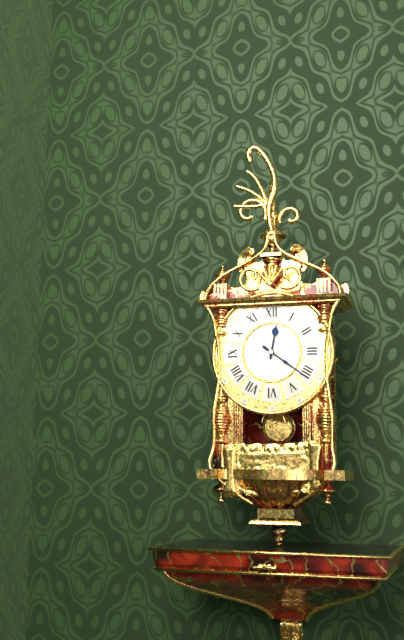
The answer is 12.21
